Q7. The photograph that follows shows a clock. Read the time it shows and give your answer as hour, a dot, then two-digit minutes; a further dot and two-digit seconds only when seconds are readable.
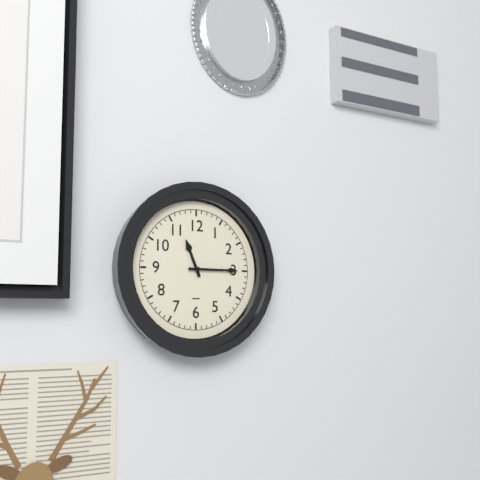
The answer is 11.15
